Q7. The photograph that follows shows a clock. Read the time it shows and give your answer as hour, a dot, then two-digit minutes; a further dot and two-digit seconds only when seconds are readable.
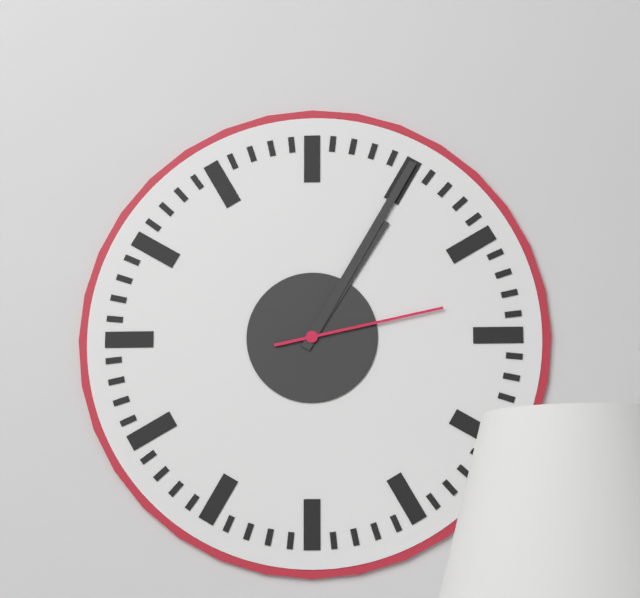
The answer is 1.05.13
